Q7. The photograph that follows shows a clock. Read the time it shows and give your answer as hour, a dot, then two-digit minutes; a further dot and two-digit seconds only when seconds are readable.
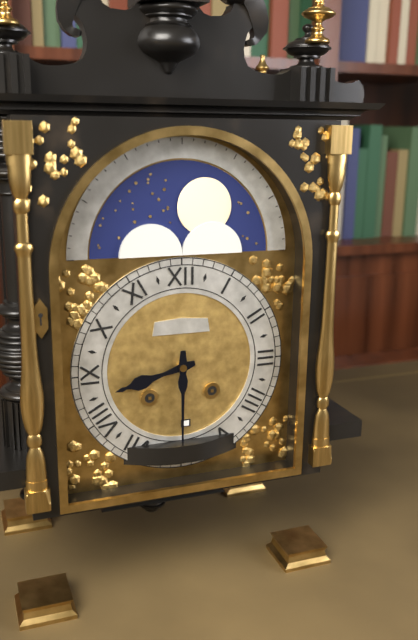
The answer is 8.30
